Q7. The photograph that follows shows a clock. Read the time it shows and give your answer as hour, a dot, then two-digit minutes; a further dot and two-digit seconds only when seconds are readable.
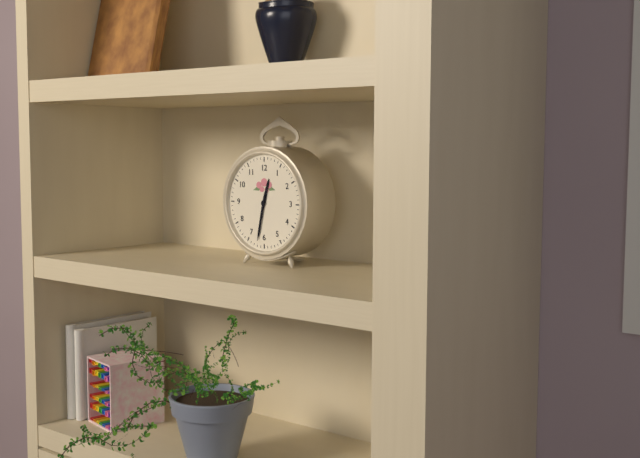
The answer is 12.32
